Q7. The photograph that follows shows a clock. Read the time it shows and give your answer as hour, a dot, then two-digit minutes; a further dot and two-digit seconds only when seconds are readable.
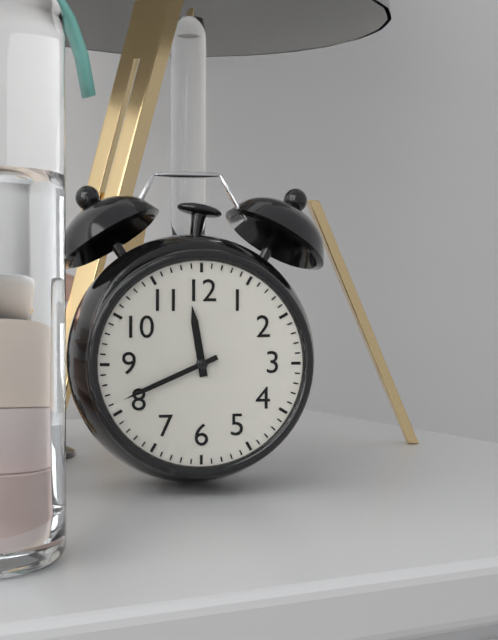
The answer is 11.41
